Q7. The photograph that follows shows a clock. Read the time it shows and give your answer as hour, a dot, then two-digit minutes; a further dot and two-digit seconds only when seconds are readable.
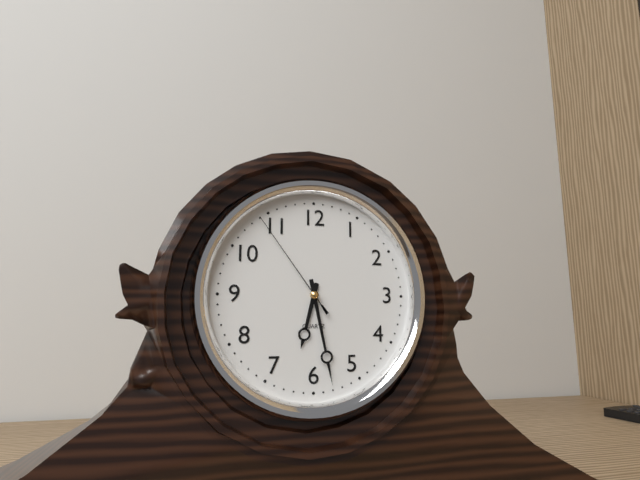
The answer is 6.28.54
